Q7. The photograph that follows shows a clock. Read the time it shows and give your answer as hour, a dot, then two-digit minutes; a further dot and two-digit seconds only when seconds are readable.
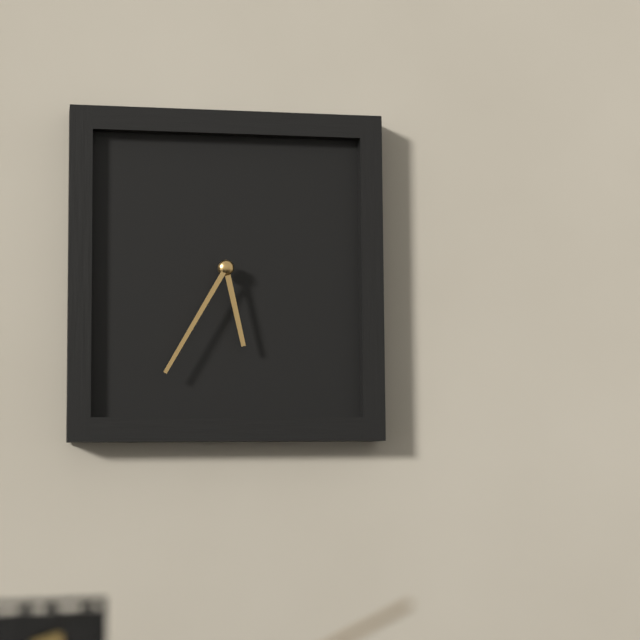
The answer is 5.35
